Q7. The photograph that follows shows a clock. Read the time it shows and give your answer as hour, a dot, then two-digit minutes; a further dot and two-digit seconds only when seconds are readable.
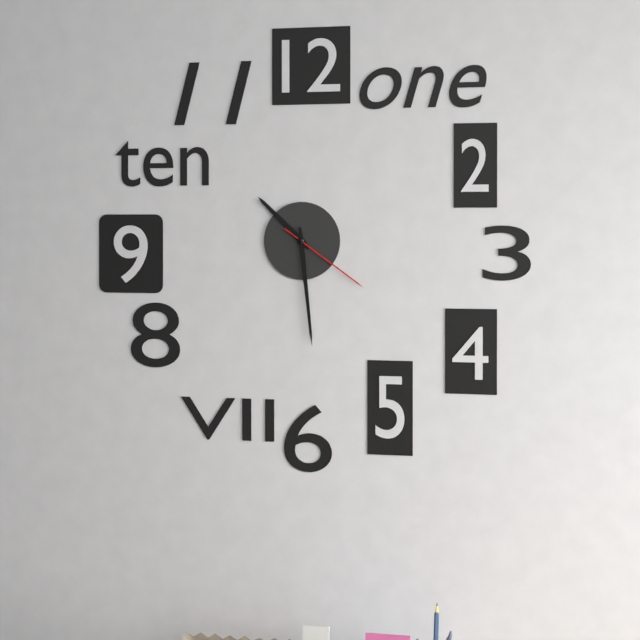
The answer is 10.29.21
